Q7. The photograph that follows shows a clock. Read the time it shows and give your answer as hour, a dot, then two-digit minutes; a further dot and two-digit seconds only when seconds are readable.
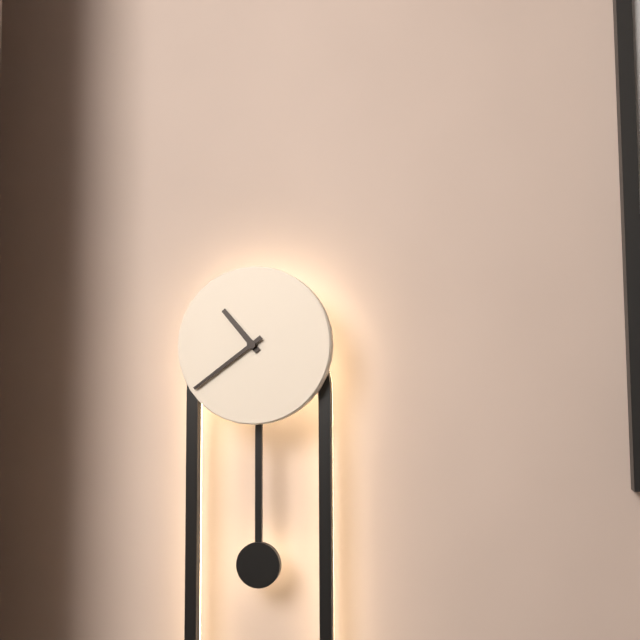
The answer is 10.39
